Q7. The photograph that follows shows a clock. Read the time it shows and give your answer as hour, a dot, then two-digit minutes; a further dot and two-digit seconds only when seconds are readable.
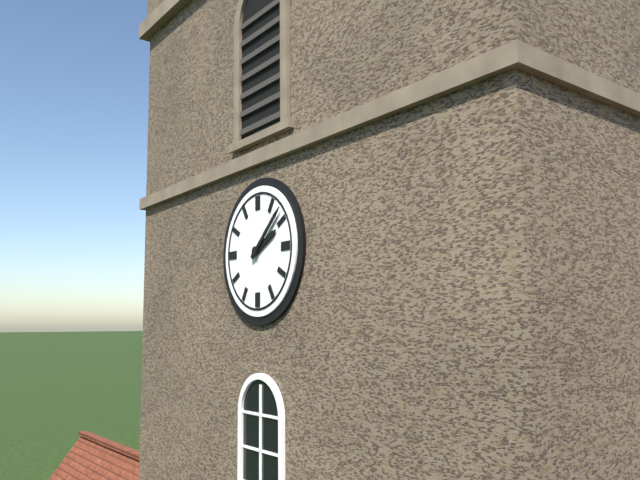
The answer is 2.08
